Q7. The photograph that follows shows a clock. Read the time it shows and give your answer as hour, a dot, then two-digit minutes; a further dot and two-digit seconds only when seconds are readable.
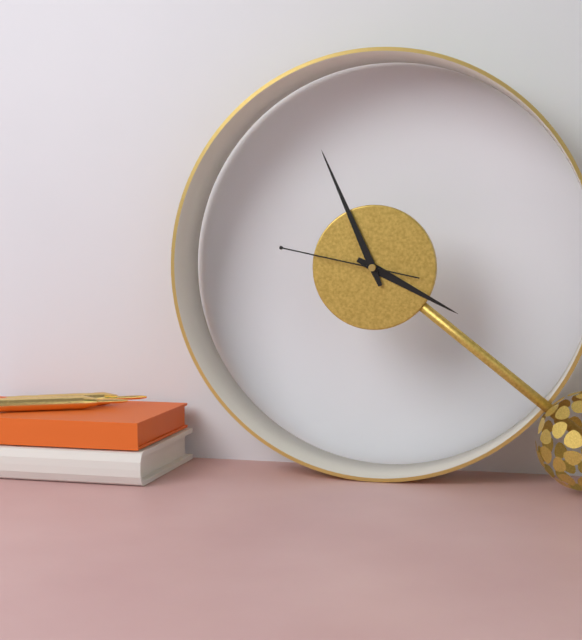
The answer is 3.56.47
